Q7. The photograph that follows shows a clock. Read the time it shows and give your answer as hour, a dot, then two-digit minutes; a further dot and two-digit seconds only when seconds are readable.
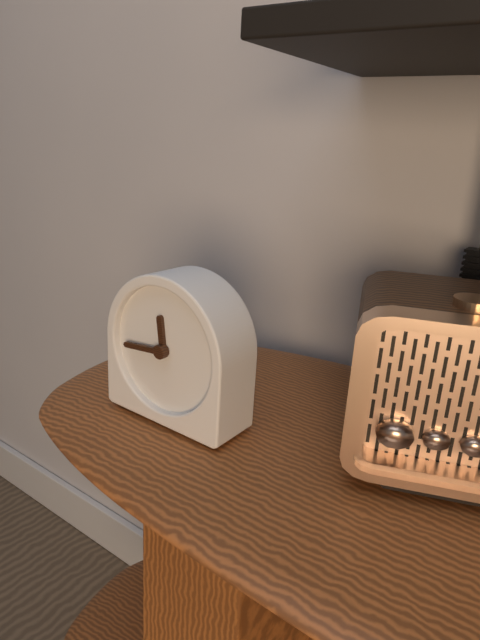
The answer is 11.44
